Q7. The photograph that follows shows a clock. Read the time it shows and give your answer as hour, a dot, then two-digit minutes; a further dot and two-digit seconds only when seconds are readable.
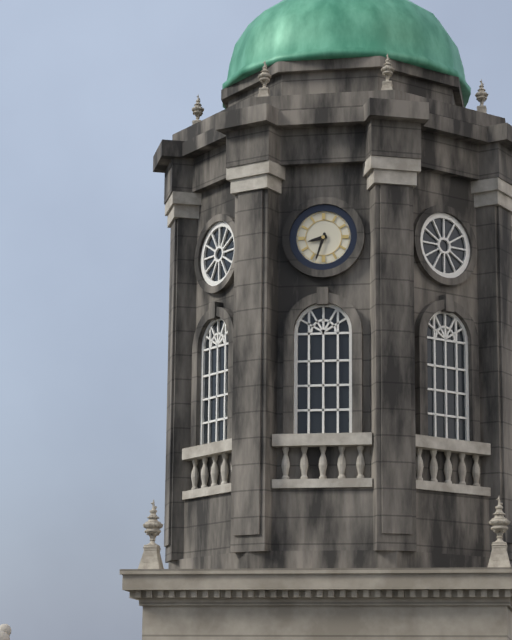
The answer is 8.33
